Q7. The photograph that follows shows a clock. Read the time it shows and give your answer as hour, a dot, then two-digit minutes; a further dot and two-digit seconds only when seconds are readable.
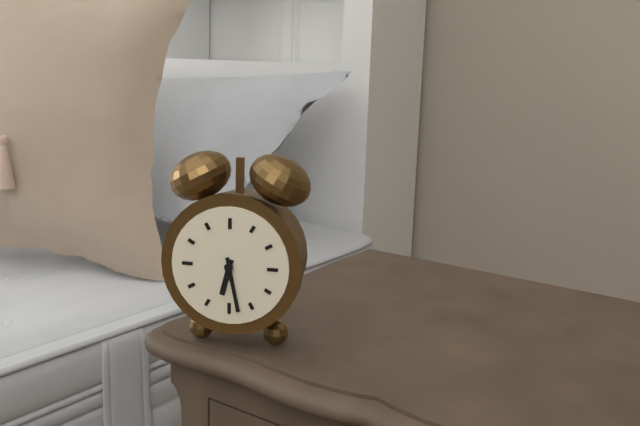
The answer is 6.28
